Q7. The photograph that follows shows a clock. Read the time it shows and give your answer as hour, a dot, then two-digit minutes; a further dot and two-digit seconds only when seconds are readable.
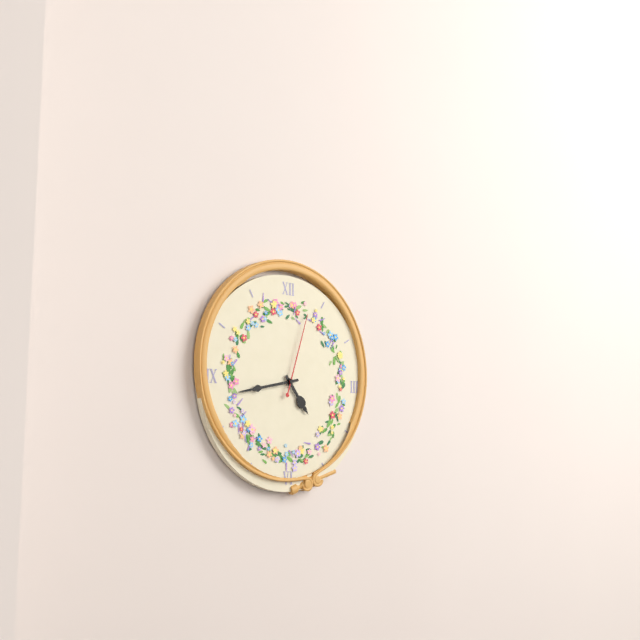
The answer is 4.43.03
